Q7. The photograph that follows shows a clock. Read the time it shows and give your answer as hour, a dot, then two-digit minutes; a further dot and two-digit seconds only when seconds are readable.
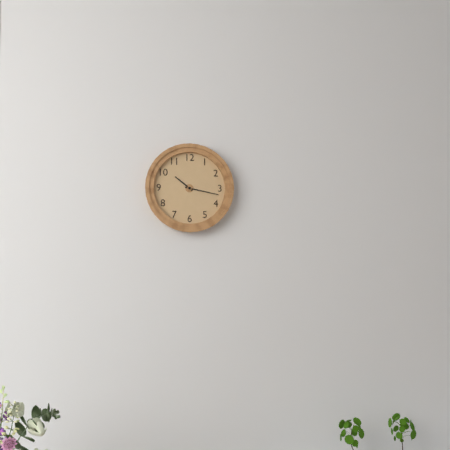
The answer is 10.17
